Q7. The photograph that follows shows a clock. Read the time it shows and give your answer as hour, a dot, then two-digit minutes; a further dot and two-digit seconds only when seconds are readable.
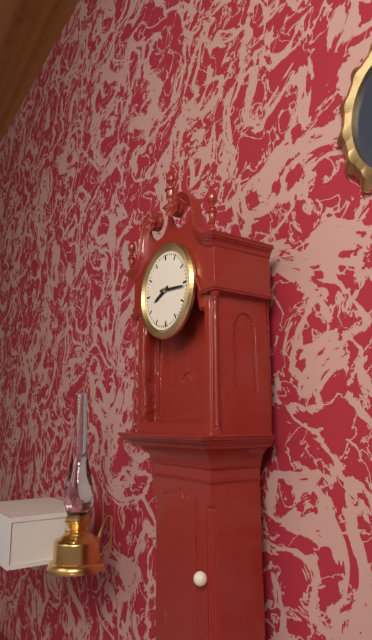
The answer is 8.16
